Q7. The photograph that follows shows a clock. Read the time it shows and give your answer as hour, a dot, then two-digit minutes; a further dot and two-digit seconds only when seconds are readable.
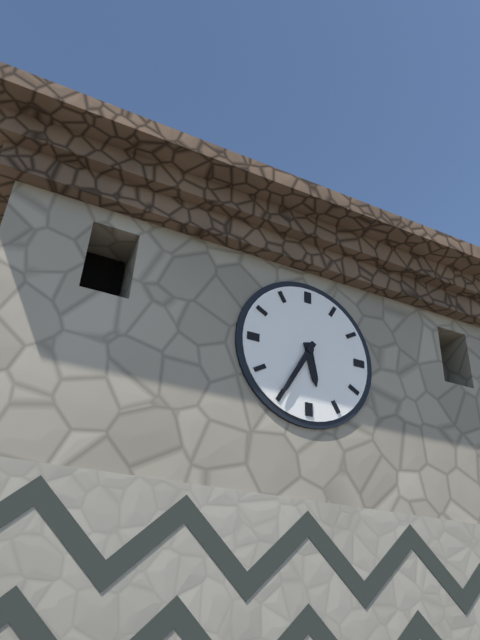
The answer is 5.35
